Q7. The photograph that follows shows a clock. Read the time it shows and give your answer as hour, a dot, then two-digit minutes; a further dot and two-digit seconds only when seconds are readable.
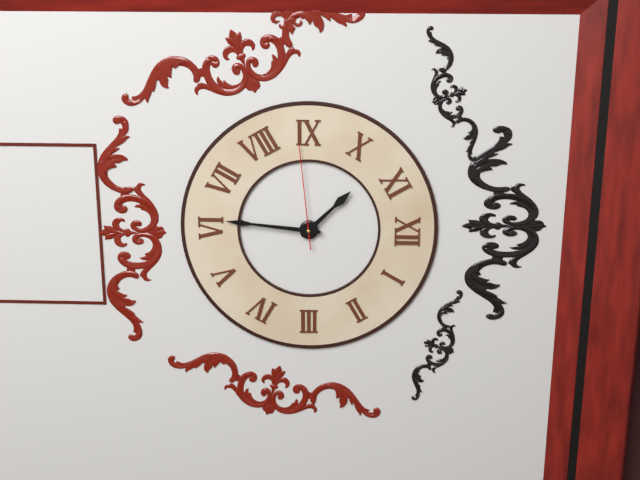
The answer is 10.31.44
